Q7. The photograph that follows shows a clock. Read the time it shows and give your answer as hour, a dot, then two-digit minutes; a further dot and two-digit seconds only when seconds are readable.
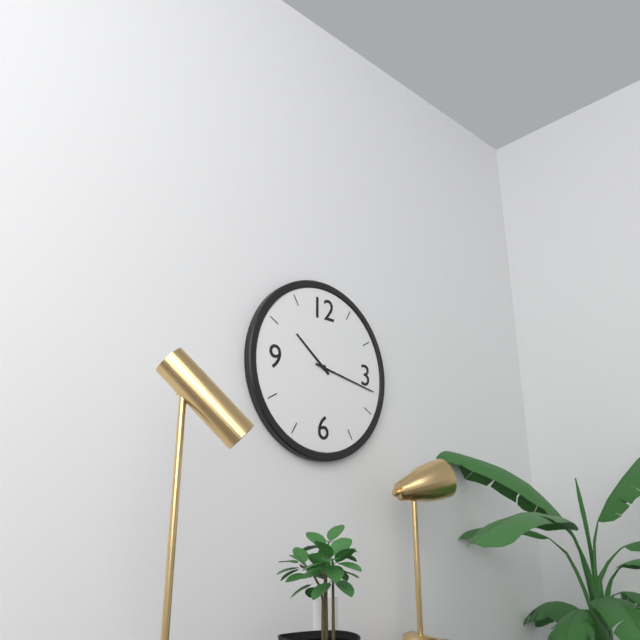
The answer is 10.17
